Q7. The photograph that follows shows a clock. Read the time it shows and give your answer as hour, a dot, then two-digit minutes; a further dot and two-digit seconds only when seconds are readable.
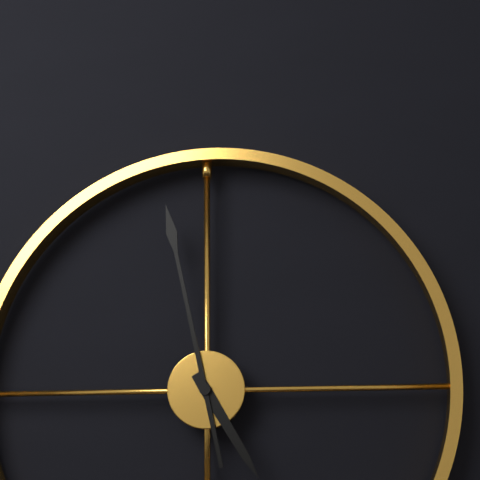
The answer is 4.58
